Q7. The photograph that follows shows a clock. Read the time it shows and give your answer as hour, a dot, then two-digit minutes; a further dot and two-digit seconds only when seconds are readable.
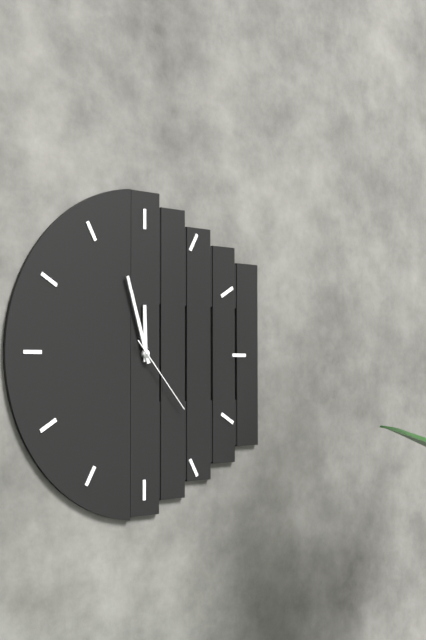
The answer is 11.57.23
